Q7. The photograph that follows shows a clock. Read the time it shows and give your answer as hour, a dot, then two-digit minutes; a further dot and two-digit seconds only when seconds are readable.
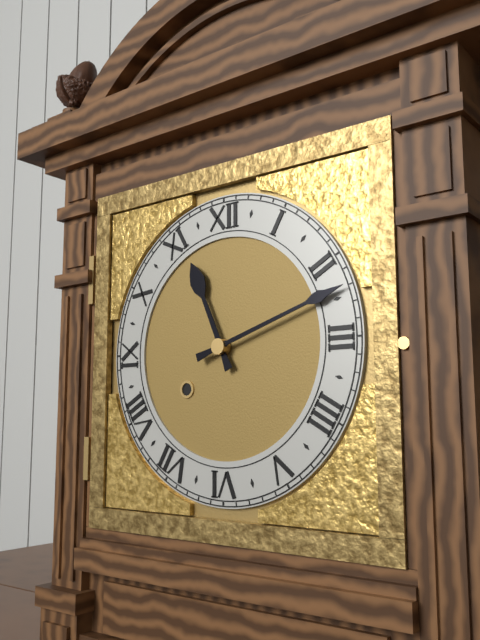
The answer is 11.12
